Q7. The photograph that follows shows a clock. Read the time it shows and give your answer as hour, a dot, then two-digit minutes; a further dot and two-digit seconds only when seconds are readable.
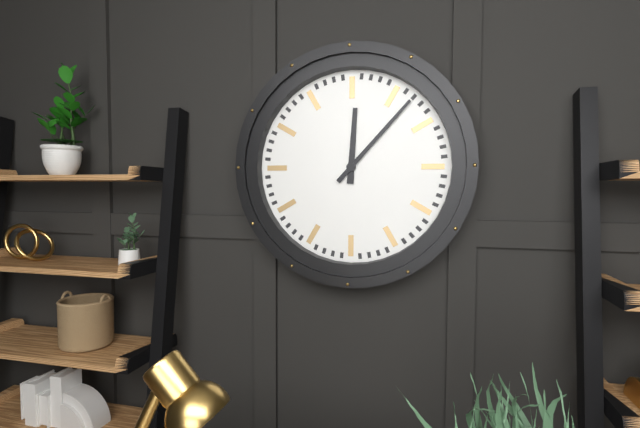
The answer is 12.07
